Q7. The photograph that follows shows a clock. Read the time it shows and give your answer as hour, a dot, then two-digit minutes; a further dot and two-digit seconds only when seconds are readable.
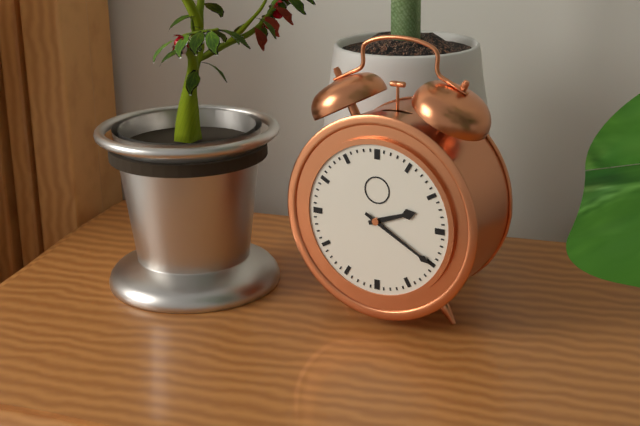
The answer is 2.20
